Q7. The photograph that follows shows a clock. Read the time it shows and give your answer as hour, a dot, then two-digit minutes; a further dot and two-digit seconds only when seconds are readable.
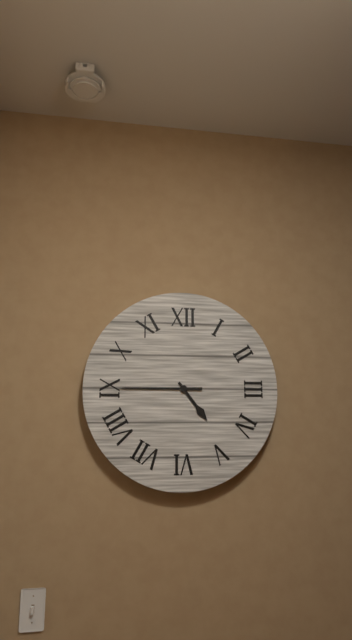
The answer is 4.45
